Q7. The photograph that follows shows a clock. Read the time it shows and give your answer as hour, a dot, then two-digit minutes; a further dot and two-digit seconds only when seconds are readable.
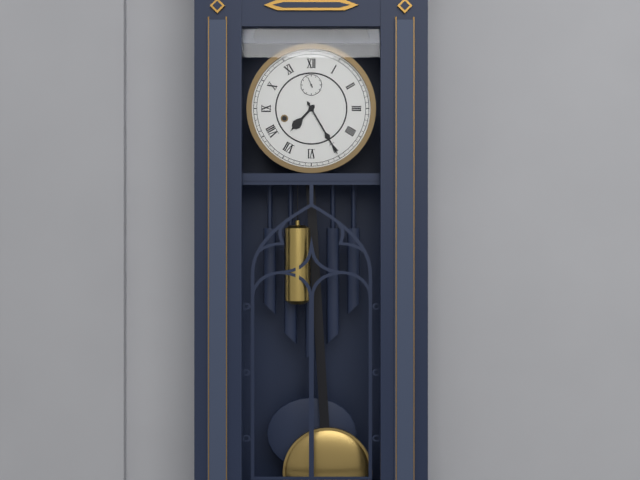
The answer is 7.25
